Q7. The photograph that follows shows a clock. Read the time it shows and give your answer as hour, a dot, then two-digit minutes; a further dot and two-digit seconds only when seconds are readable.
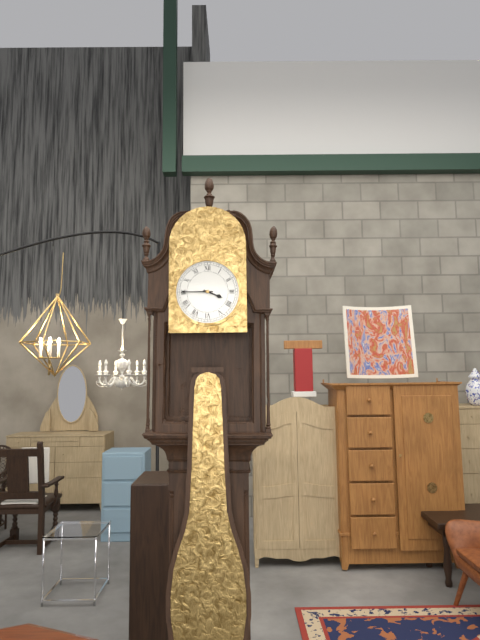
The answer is 3.45
